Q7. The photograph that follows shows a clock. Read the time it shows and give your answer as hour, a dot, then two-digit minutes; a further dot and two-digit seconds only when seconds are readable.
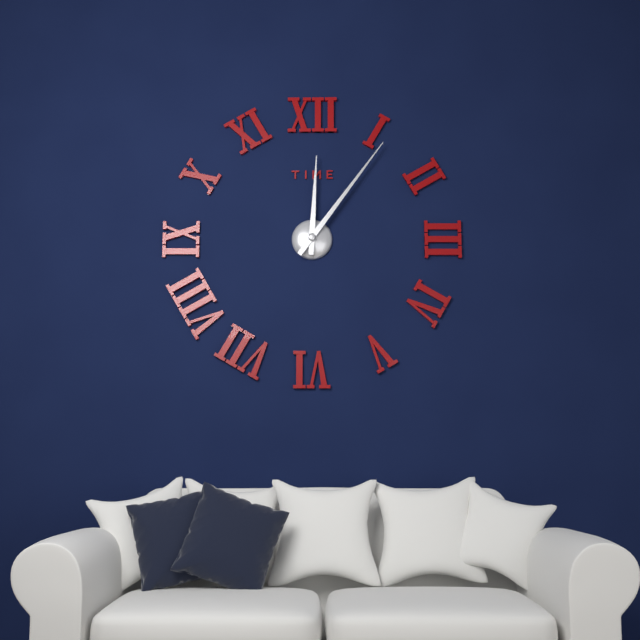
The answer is 12.06
